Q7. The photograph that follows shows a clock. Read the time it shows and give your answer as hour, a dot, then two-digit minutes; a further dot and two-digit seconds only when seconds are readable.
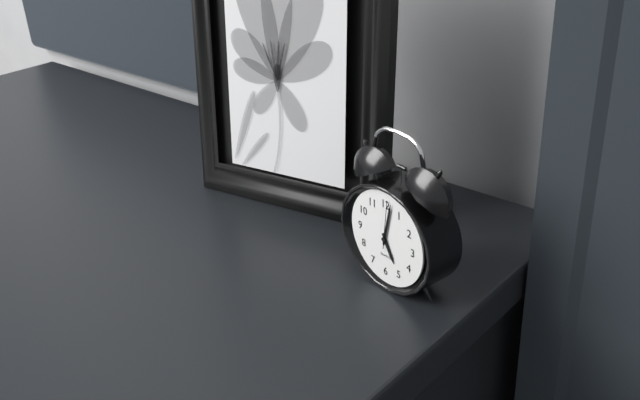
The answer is 5.02
